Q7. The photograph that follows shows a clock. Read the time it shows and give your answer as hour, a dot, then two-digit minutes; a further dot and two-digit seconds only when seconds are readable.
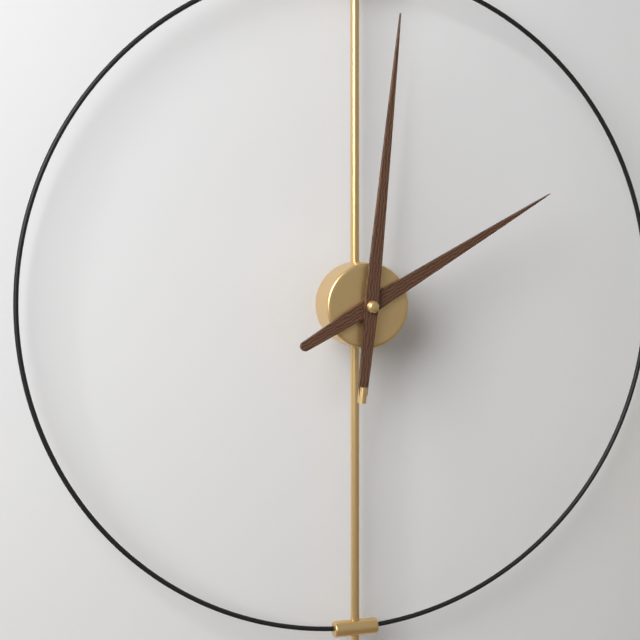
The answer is 2.01
